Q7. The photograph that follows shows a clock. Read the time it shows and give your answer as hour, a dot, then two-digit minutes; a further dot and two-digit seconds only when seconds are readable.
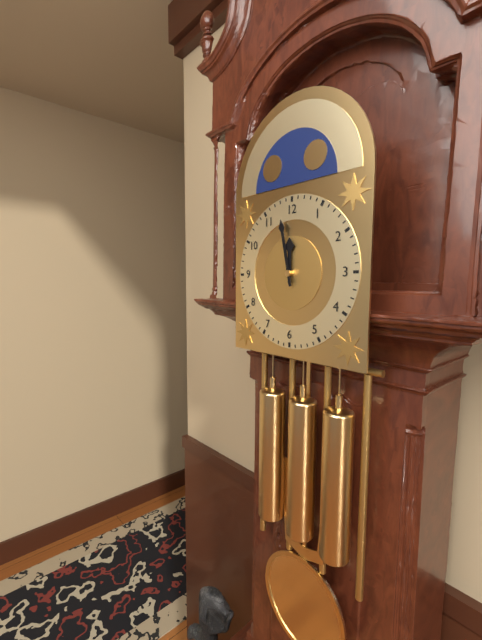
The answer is 11.58
